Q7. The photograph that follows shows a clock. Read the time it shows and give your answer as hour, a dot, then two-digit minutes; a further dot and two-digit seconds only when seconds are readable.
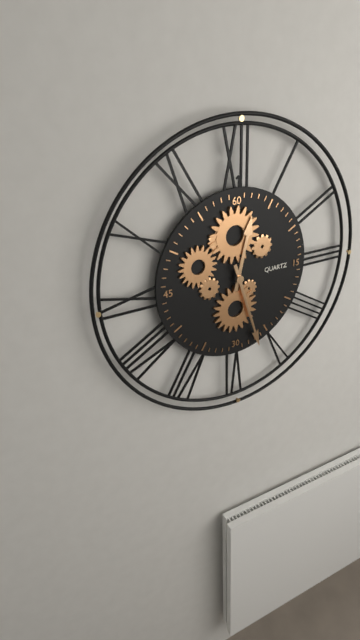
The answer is 12.27
